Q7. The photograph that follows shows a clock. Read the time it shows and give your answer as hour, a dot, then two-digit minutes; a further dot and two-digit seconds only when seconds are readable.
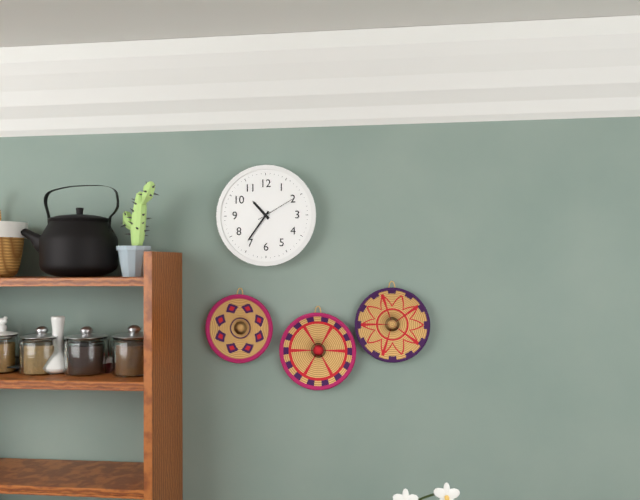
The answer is 10.36
